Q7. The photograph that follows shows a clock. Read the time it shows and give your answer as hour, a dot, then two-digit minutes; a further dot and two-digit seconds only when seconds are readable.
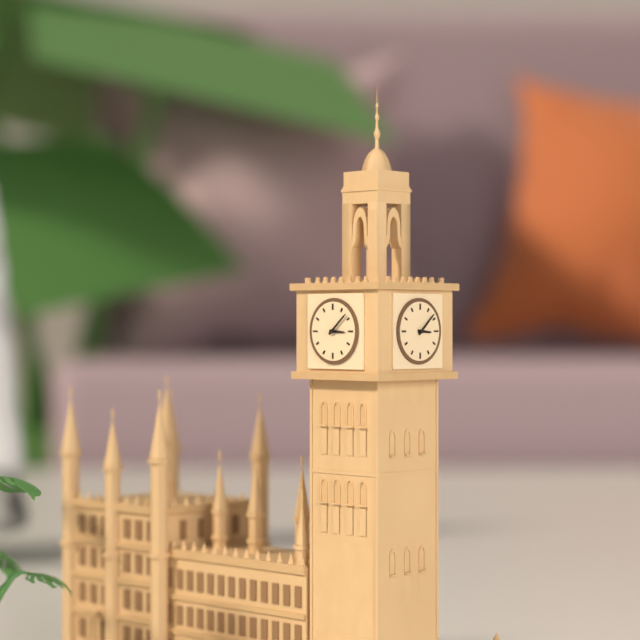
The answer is 3.08
